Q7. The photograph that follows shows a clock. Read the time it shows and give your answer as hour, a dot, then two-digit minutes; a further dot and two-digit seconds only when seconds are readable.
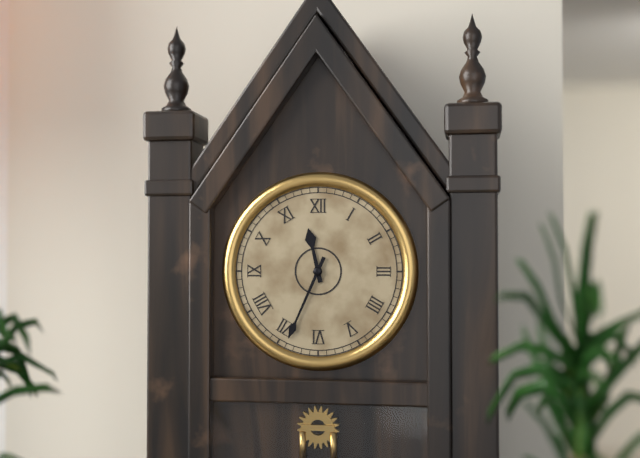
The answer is 11.34
